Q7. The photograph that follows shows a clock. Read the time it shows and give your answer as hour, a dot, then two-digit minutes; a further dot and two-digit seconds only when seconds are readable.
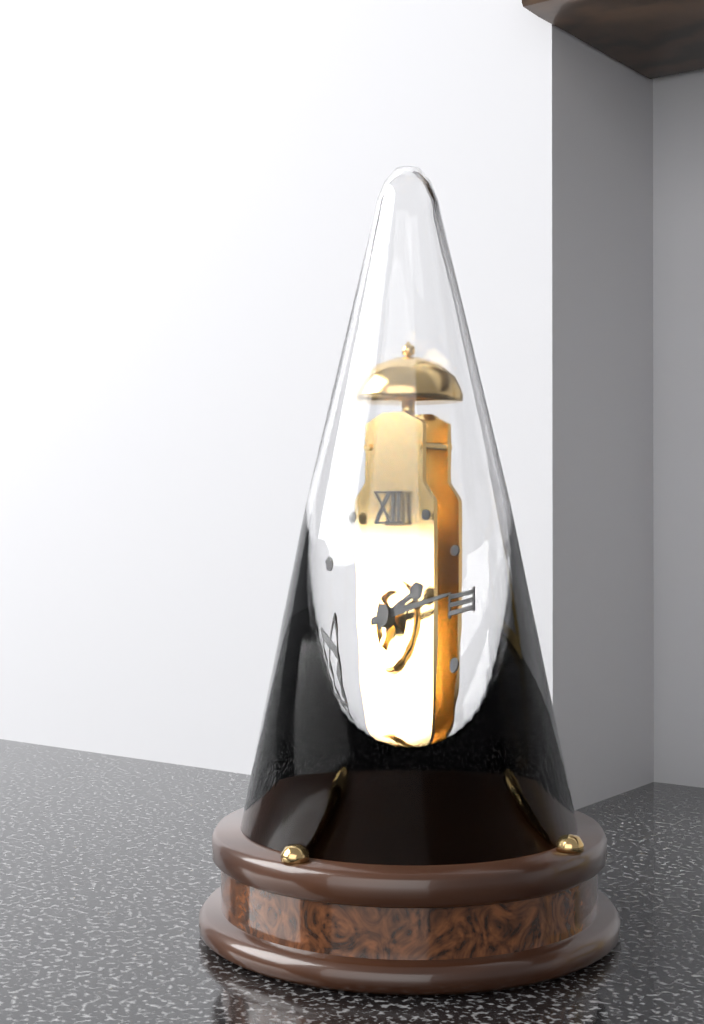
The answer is 2.14
